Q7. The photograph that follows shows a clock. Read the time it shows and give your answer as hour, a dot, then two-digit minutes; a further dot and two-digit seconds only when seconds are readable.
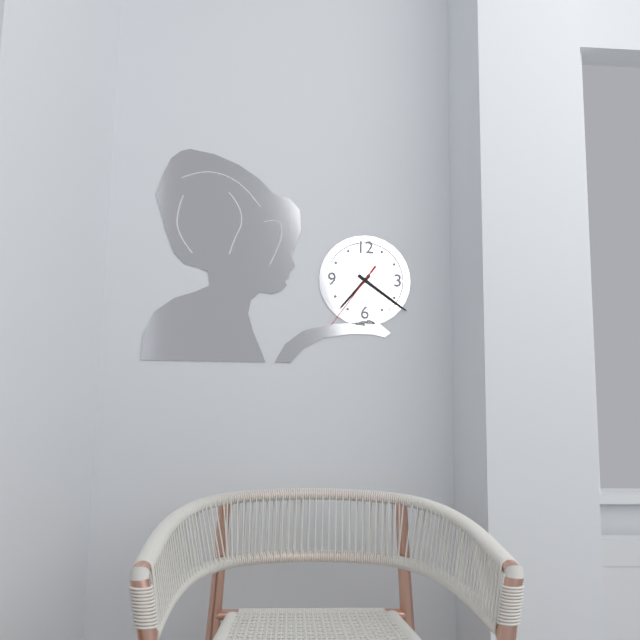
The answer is 7.21.36
